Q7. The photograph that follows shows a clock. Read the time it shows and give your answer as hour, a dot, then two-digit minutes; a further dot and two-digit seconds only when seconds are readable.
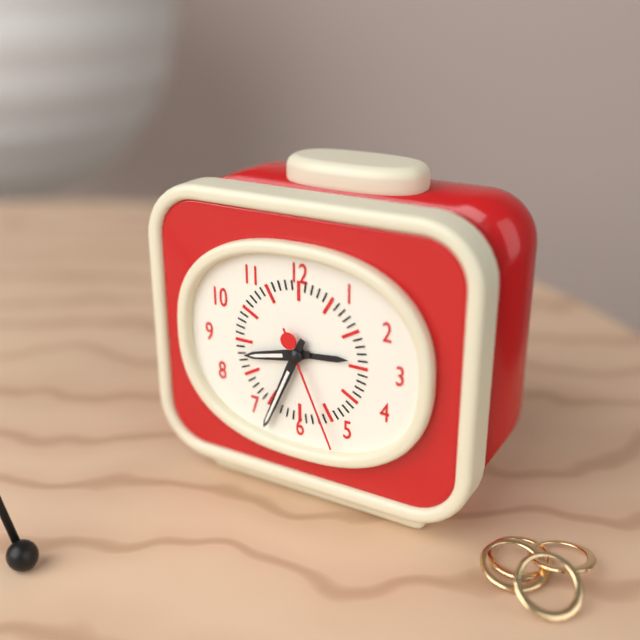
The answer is 8.34.26
